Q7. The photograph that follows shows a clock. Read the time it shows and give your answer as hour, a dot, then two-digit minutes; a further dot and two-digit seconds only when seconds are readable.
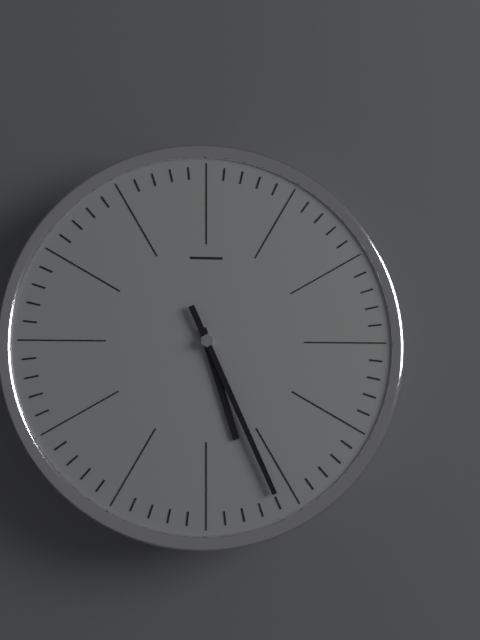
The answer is 5.26
